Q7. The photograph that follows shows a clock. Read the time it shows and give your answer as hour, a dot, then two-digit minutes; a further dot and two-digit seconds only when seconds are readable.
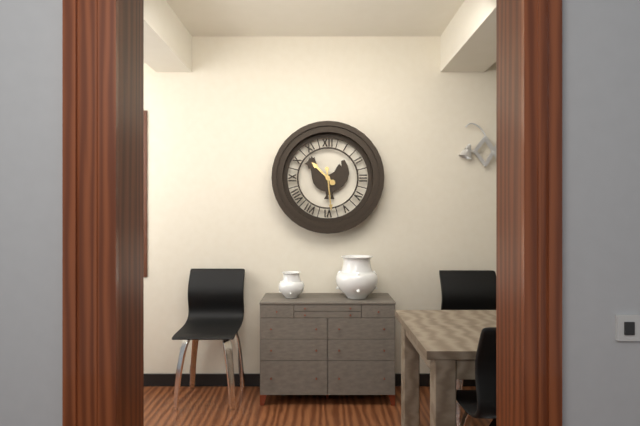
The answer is 10.29
